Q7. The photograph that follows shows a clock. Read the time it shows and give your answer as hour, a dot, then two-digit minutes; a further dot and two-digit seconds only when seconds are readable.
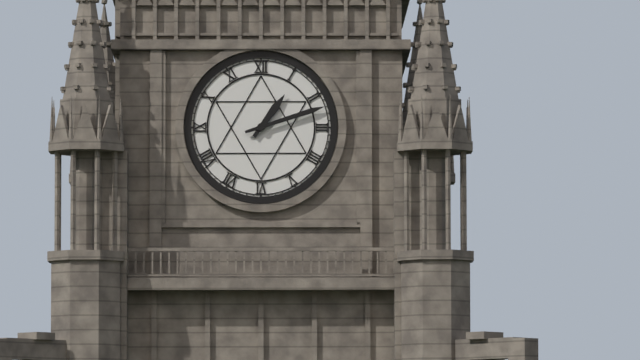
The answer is 1.12
